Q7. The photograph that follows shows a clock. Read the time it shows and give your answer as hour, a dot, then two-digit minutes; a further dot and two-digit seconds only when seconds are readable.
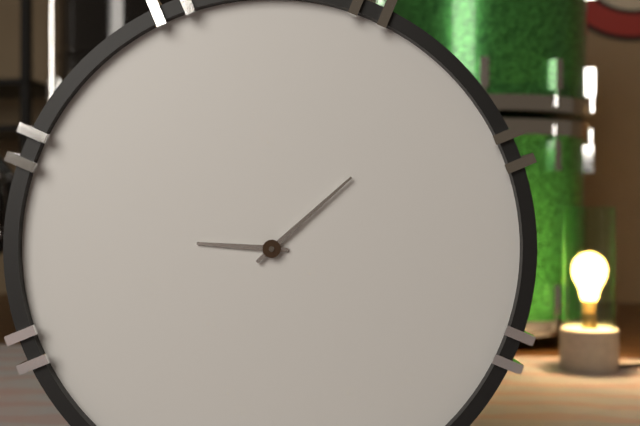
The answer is 9.08
